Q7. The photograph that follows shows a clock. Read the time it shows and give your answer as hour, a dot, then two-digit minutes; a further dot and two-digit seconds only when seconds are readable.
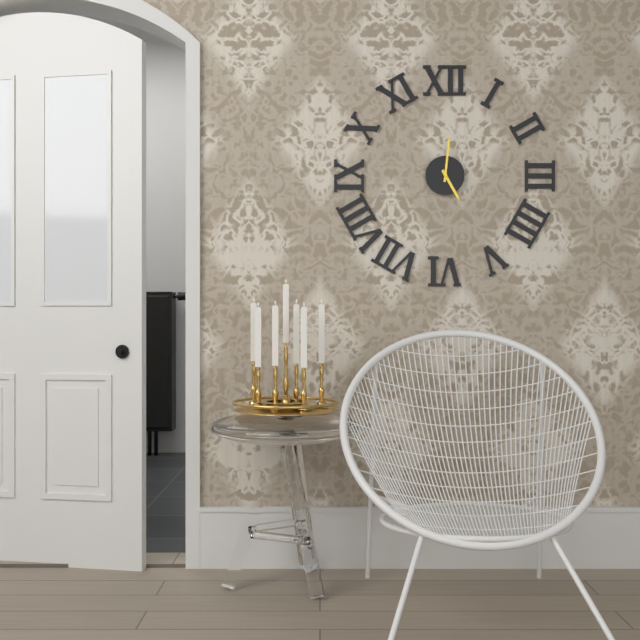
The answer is 5.01
